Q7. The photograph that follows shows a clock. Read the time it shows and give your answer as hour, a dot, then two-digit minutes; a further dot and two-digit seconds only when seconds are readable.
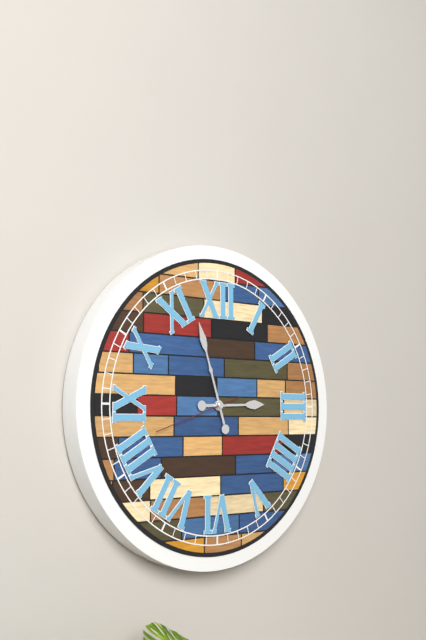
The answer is 2.57.42
